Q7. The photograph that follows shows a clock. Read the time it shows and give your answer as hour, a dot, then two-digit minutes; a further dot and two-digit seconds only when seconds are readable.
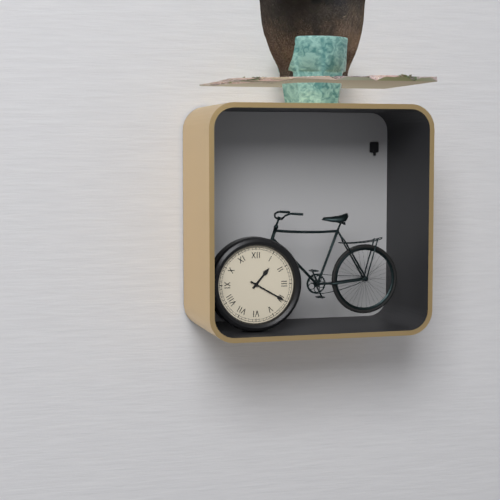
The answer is 1.20
